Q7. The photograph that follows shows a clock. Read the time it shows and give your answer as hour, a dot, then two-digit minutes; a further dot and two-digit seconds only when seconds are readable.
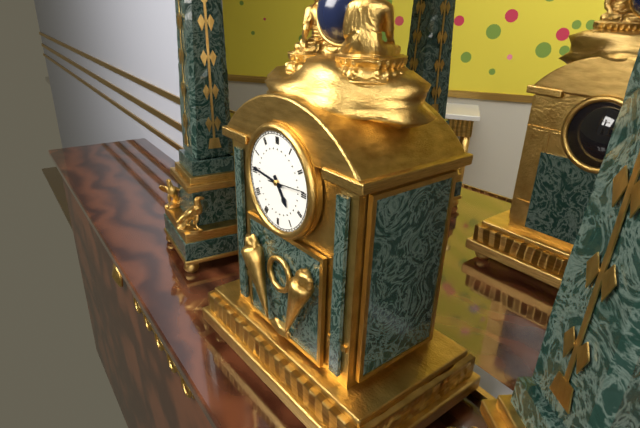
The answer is 4.46
